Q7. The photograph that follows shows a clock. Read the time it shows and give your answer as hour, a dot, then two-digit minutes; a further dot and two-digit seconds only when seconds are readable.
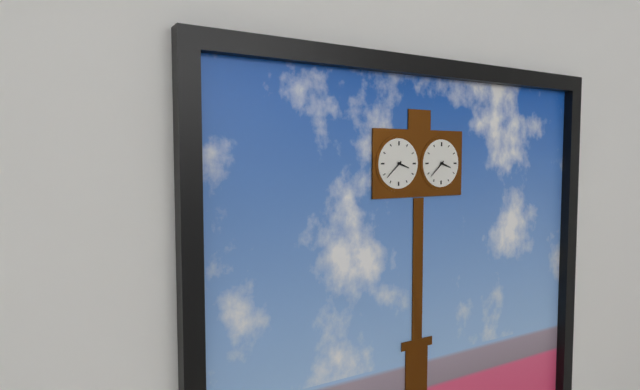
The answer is 3.38
